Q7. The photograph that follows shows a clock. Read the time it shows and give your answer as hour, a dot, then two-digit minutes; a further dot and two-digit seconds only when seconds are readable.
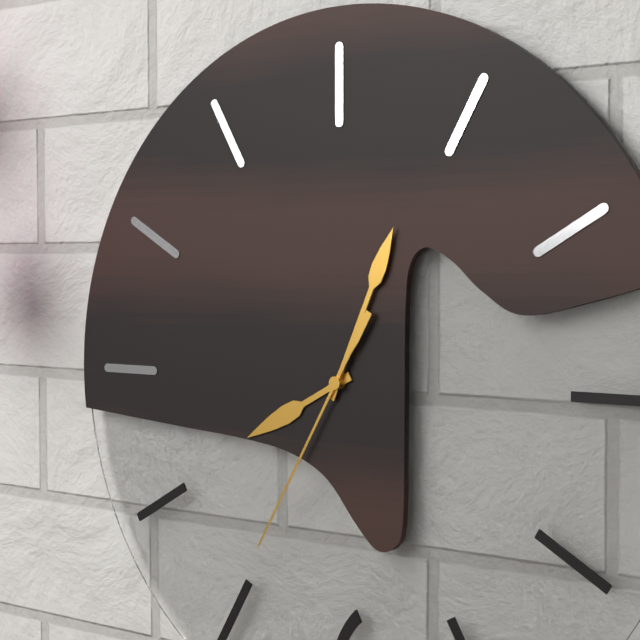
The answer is 8.04.35
